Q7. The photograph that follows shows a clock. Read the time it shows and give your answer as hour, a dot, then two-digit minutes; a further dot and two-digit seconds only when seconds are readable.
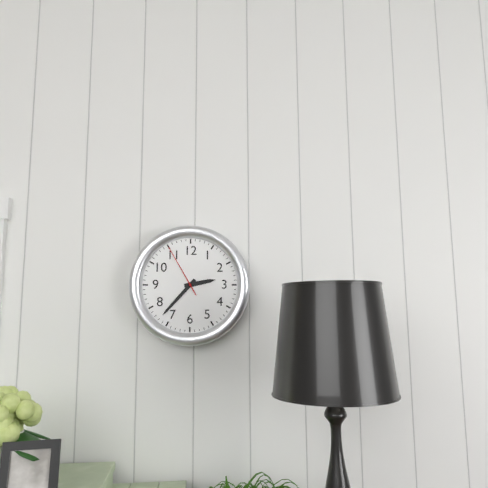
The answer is 2.37.55
